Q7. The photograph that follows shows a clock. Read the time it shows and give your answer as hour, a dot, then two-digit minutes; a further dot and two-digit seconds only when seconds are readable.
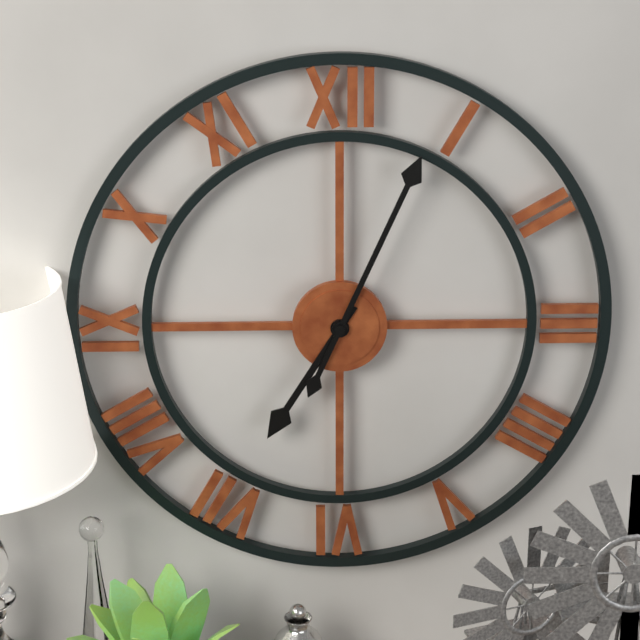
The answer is 7.04
